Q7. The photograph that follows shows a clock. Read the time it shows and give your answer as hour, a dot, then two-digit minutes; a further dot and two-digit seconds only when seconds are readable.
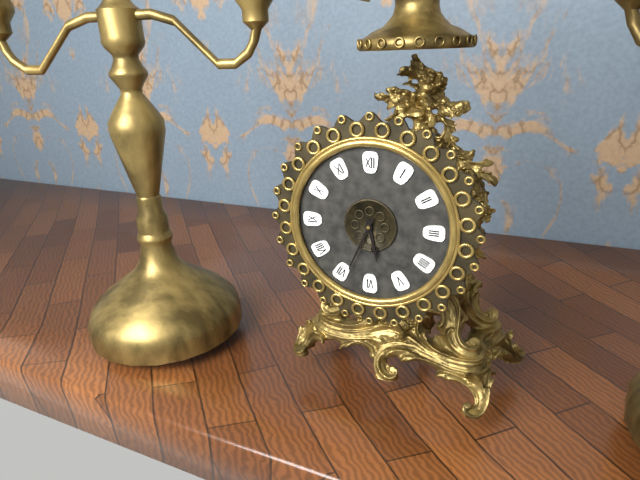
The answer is 5.34
